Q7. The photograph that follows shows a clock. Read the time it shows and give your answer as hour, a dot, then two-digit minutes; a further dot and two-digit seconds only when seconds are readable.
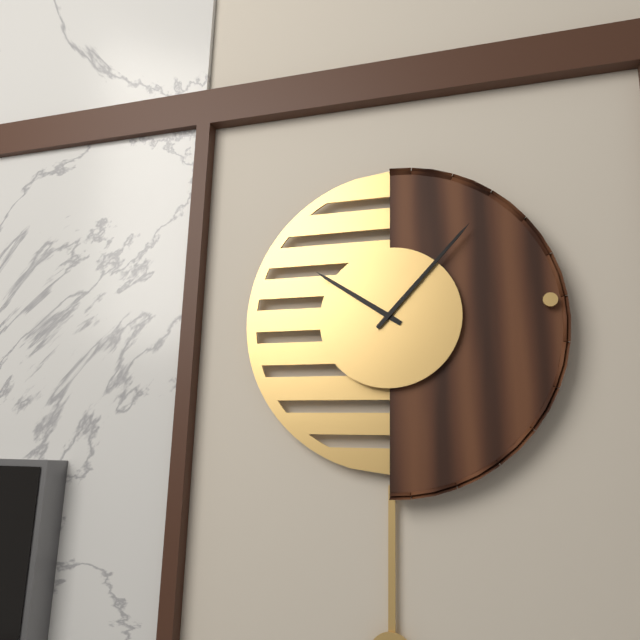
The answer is 10.07
